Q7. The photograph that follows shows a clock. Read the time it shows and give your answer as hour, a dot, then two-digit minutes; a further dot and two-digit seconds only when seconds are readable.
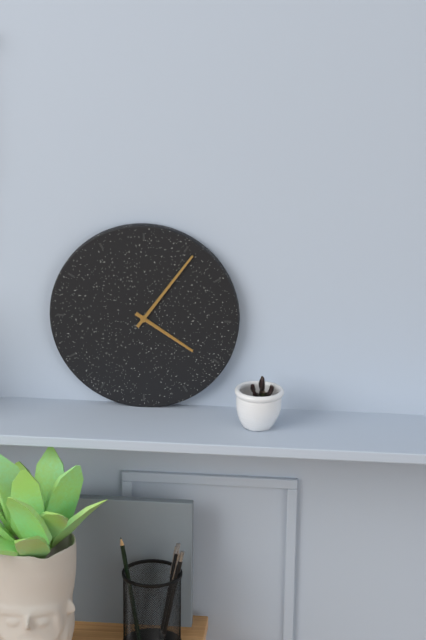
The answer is 4.06
